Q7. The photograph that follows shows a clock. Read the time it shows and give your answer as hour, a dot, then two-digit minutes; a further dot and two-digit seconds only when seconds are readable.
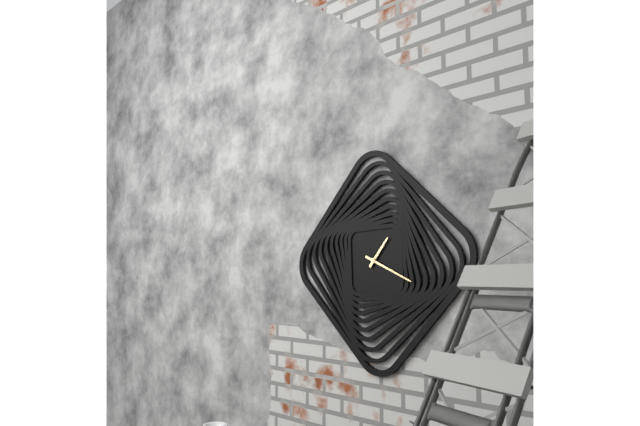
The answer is 1.19
